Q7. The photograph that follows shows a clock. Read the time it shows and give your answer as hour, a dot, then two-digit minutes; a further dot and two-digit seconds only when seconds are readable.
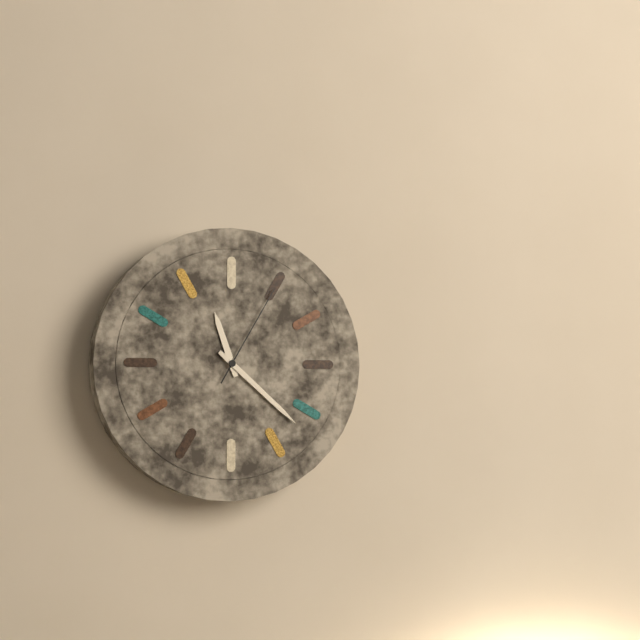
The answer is 11.22.05
